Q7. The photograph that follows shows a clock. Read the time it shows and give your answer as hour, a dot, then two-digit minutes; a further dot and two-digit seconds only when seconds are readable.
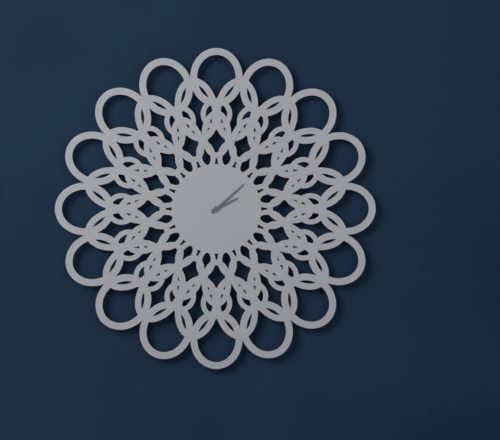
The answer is 2.08
